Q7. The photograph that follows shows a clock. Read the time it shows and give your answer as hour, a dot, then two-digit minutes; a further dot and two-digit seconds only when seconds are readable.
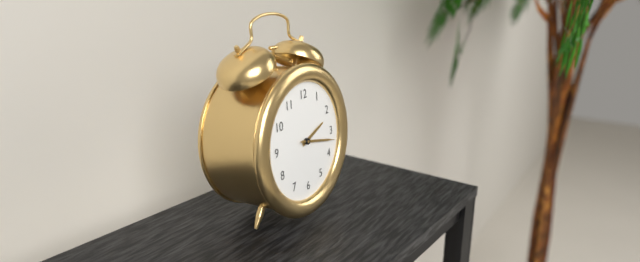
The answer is 2.17
